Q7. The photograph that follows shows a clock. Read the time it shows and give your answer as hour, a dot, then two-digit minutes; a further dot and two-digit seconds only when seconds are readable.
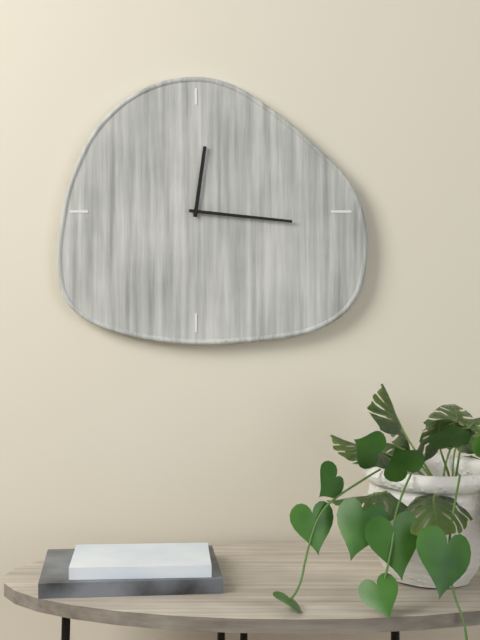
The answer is 12.16
